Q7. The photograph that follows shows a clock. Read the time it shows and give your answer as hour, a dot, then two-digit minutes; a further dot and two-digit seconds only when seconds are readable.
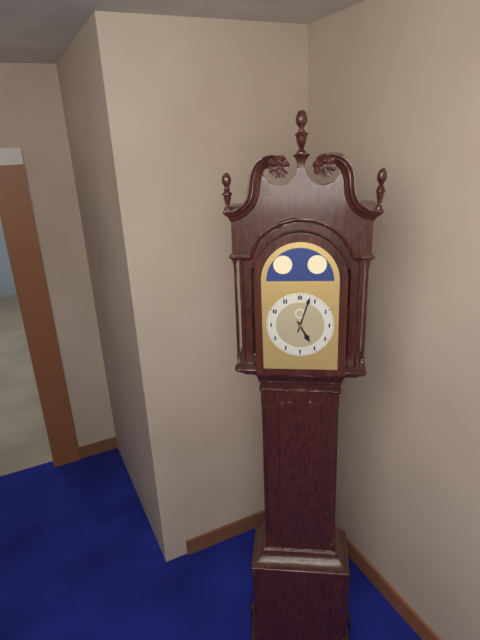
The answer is 5.03
